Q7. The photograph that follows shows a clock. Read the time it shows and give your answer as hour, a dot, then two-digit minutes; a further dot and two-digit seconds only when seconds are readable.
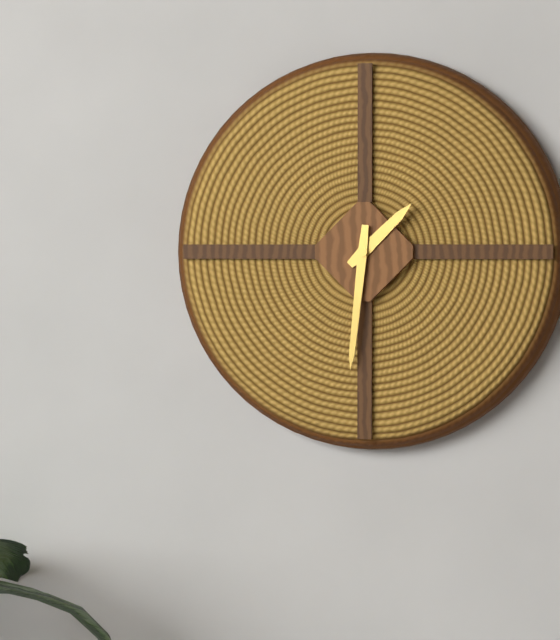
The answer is 1.31
